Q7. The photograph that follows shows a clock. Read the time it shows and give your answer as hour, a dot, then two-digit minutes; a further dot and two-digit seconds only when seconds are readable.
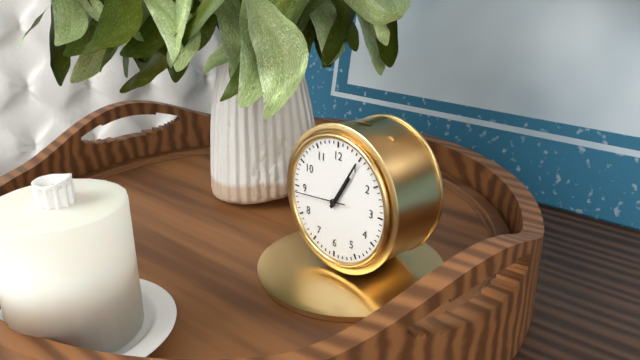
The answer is 1.05
